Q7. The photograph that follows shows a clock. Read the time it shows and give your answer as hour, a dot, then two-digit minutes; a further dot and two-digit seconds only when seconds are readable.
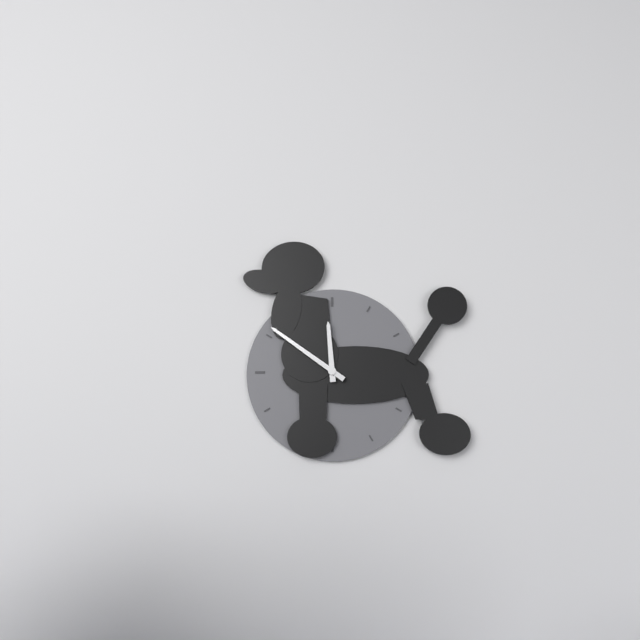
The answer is 11.51
